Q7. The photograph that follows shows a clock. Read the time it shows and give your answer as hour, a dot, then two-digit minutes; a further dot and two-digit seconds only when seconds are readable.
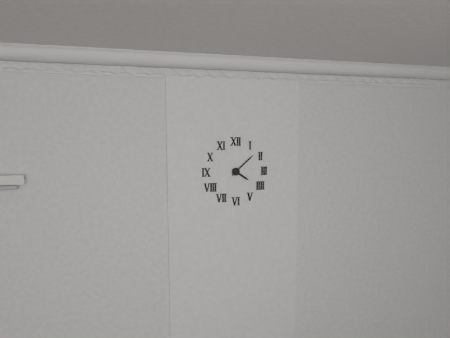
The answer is 4.08
